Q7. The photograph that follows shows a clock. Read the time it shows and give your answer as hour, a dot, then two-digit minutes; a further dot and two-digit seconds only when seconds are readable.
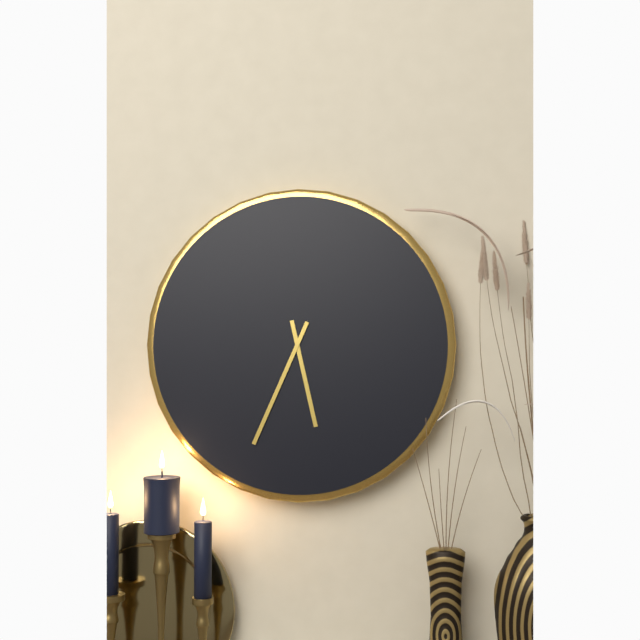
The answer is 5.34
